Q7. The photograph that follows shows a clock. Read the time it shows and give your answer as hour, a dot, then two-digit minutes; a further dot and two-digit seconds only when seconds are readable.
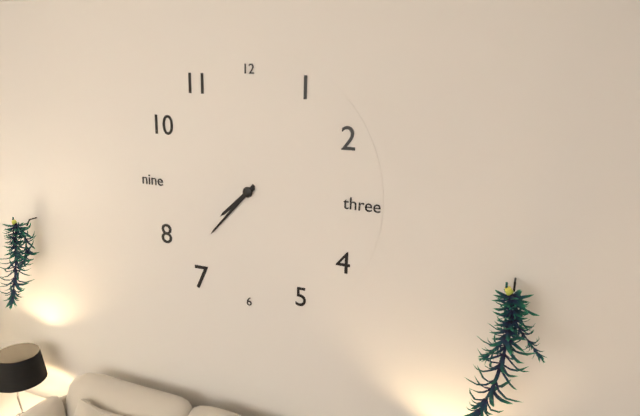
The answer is 7.37
